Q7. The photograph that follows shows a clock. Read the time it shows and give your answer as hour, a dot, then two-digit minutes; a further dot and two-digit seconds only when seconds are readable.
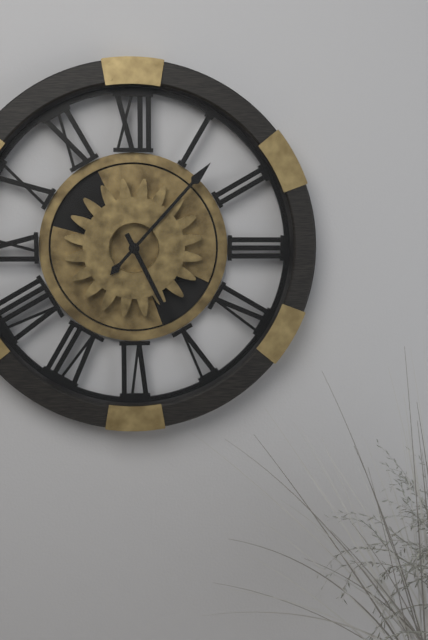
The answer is 5.07
